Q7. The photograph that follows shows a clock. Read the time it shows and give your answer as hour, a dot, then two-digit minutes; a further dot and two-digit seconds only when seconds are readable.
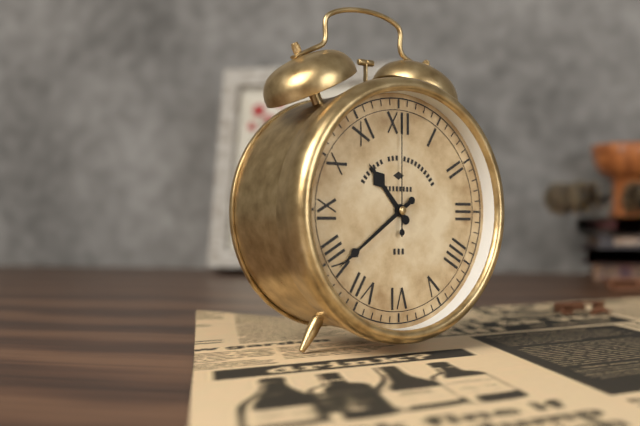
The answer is 10.39.00
